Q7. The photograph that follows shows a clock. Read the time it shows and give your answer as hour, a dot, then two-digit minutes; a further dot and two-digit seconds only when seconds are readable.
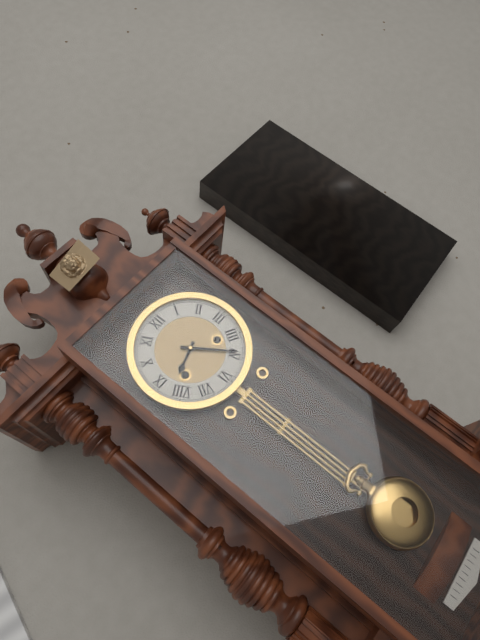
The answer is 8.24
